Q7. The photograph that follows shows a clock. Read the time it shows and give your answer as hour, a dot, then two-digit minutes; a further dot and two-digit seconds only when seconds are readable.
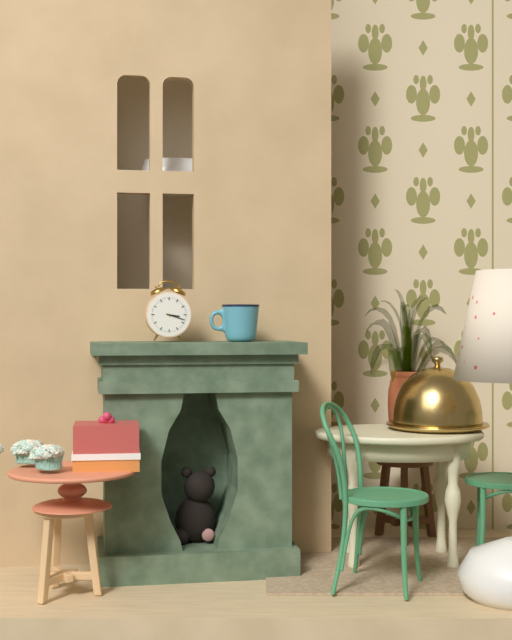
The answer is 3.18
